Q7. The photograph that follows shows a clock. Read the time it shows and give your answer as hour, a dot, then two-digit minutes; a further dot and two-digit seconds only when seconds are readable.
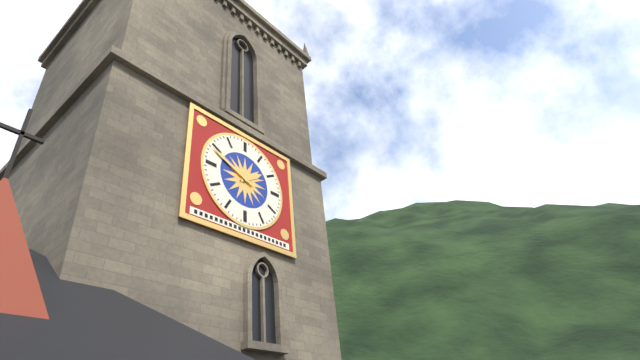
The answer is 1.49
